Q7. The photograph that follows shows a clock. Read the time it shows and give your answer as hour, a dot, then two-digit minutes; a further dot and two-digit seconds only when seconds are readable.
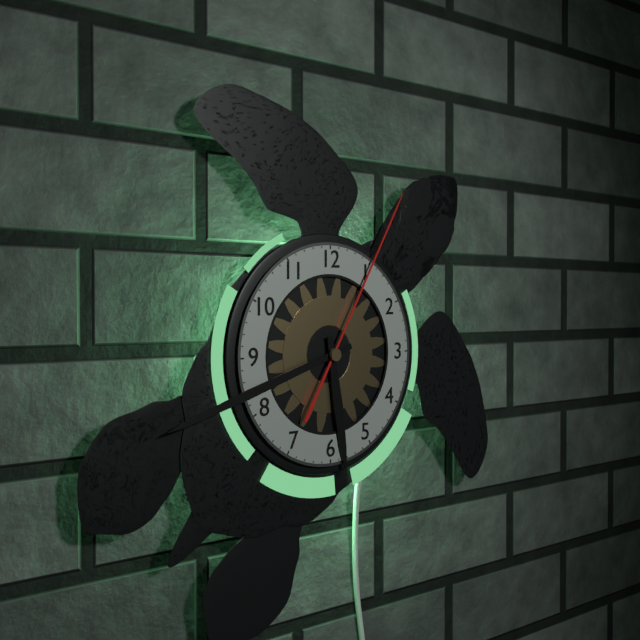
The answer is 5.42.05
